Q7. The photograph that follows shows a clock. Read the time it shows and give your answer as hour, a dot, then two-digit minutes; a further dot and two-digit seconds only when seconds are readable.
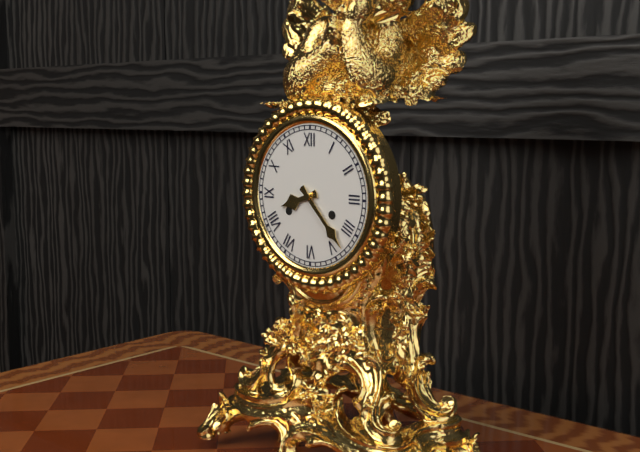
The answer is 8.23
